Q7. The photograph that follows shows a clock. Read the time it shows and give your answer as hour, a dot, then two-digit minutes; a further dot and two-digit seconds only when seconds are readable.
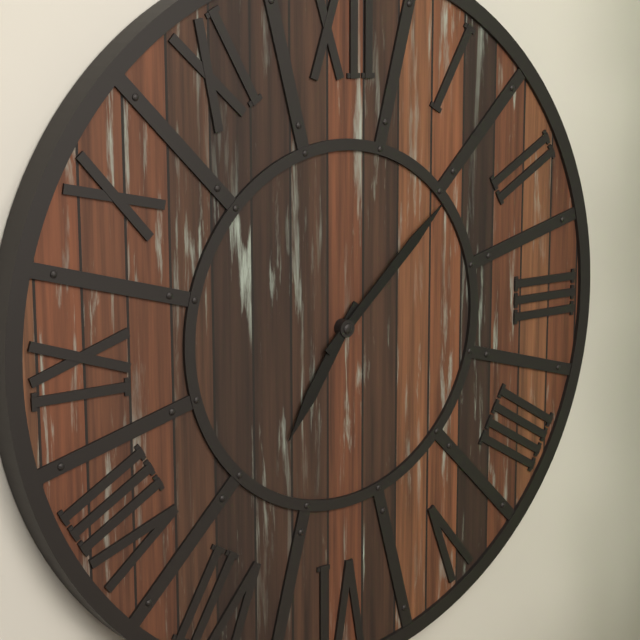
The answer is 7.08
